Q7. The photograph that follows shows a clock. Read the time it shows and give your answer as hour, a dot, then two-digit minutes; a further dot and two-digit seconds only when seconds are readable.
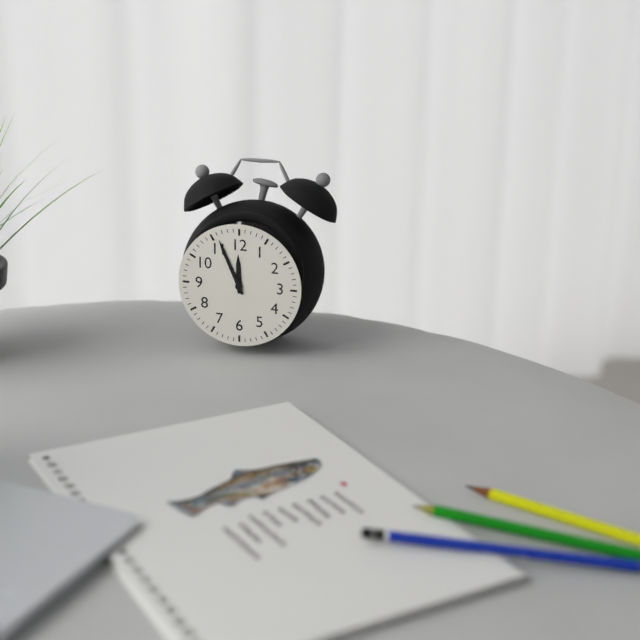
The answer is 11.56
